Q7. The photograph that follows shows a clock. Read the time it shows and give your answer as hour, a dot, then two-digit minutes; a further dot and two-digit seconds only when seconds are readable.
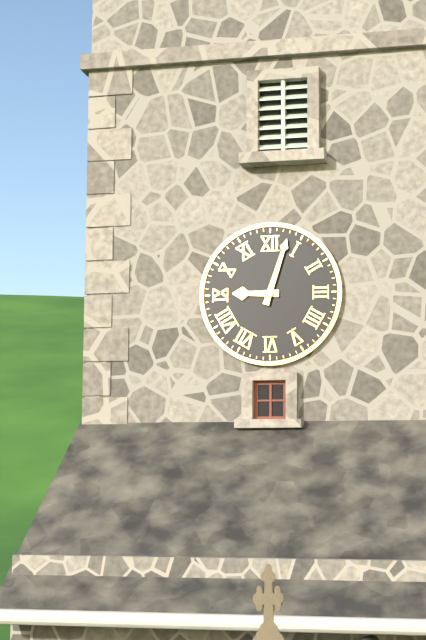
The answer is 9.03
